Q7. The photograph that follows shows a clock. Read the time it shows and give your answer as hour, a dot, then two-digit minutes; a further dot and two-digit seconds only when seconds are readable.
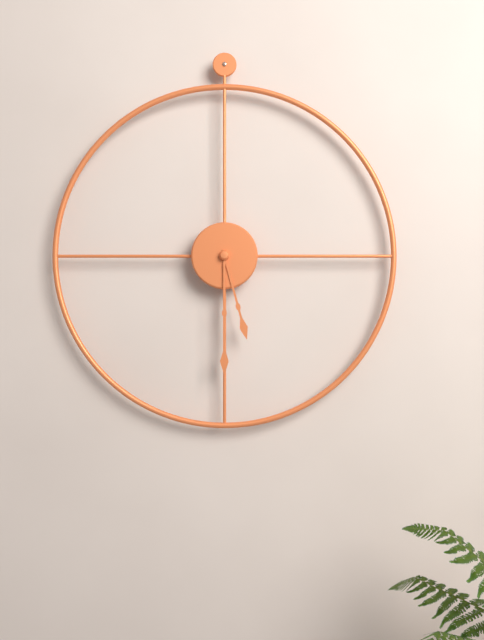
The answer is 5.30
